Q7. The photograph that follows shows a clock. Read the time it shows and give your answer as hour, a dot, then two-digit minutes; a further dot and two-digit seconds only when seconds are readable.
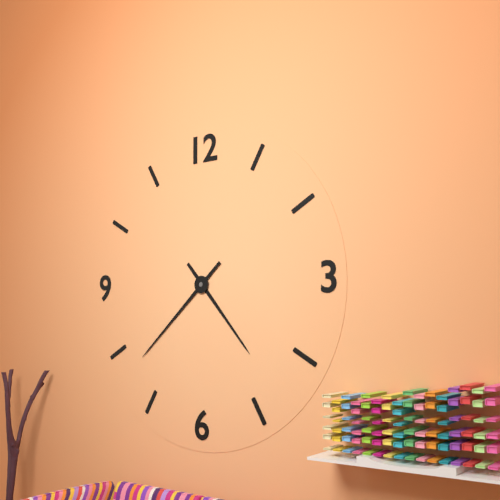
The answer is 4.38
